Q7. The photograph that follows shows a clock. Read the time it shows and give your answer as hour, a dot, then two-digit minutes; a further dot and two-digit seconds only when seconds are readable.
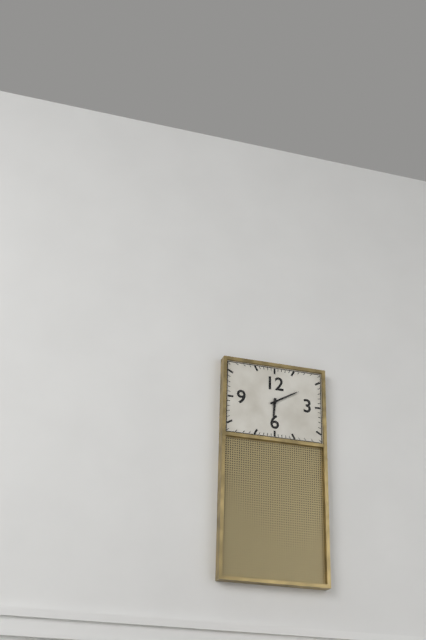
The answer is 6.10
